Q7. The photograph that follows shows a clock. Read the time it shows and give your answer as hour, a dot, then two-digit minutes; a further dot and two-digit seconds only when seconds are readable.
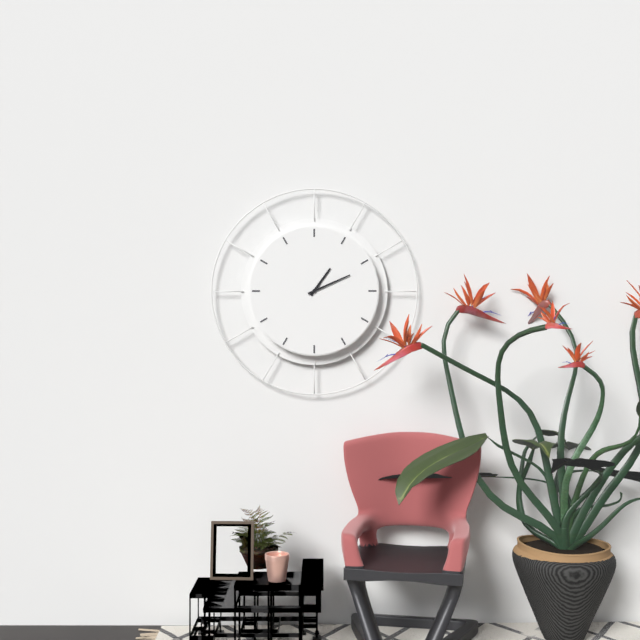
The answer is 1.11
